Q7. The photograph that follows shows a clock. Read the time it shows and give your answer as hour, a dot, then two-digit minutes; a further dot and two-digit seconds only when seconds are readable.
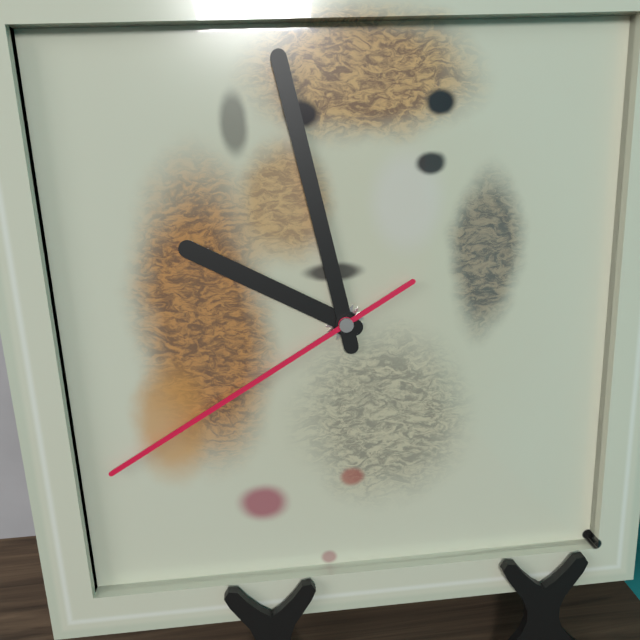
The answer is 9.58.40
